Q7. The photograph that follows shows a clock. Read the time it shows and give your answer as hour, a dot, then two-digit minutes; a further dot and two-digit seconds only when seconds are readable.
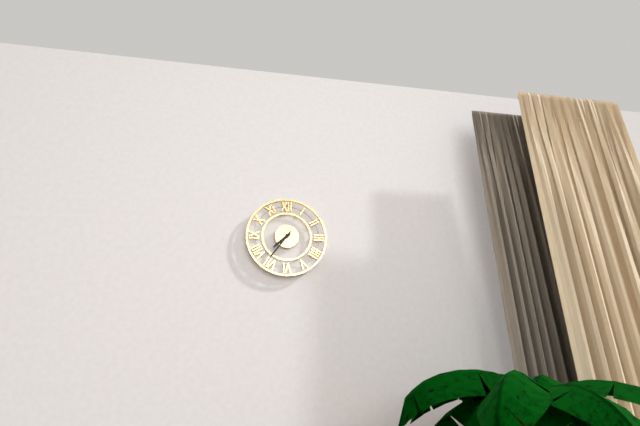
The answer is 7.36
